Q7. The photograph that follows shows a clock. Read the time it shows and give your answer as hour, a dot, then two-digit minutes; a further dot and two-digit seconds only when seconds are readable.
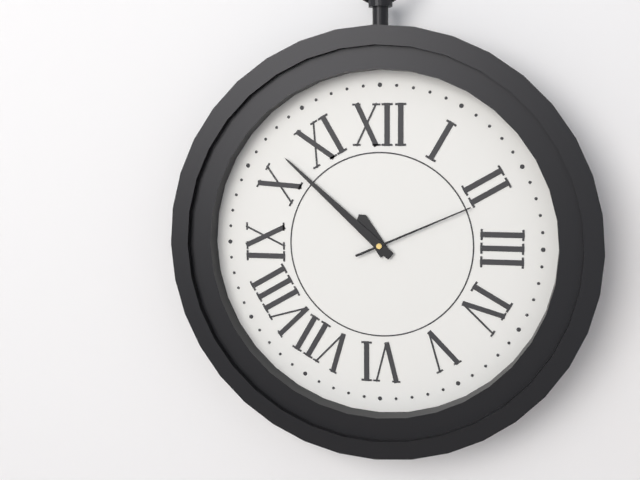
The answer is 10.52.11
